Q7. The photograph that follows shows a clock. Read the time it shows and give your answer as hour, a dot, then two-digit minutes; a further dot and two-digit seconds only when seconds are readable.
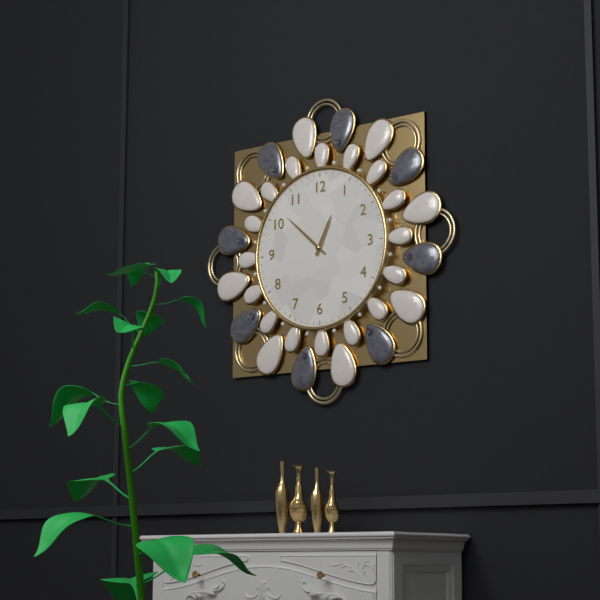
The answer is 12.52
